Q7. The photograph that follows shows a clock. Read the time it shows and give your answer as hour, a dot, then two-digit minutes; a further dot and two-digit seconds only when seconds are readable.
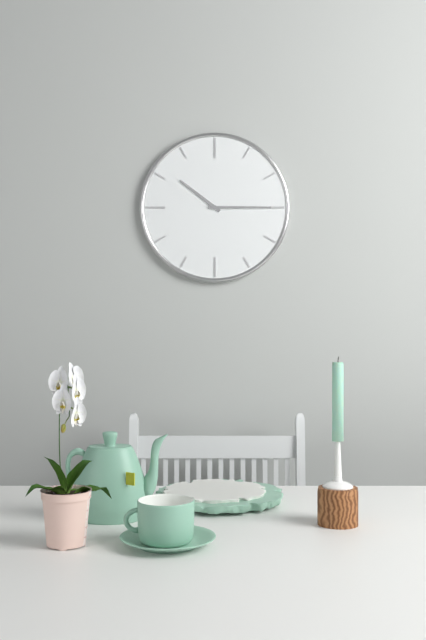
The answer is 10.15
